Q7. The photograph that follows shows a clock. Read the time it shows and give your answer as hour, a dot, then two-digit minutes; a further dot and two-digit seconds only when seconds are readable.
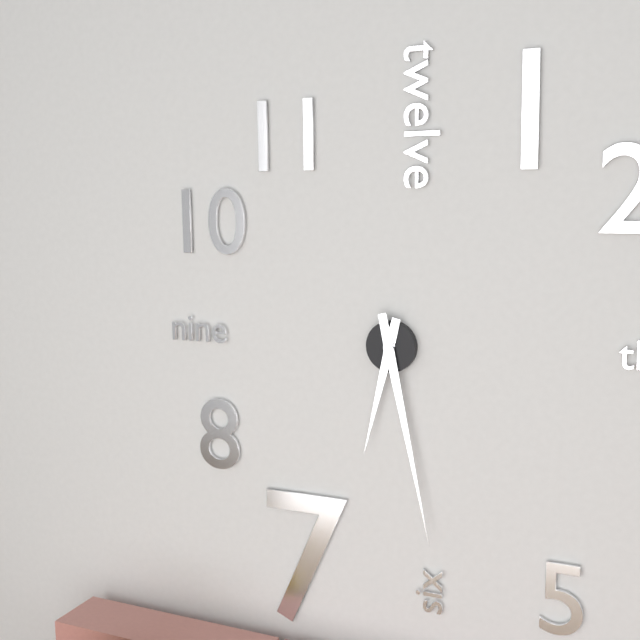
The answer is 6.28
